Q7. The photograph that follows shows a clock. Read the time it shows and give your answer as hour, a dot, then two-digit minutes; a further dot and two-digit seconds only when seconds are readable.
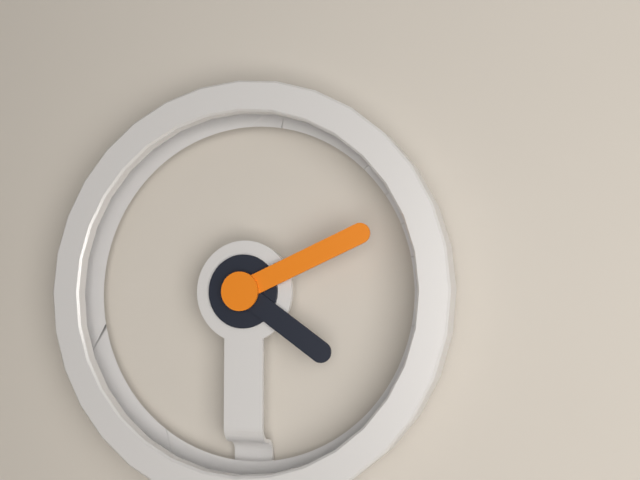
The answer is 4.11
